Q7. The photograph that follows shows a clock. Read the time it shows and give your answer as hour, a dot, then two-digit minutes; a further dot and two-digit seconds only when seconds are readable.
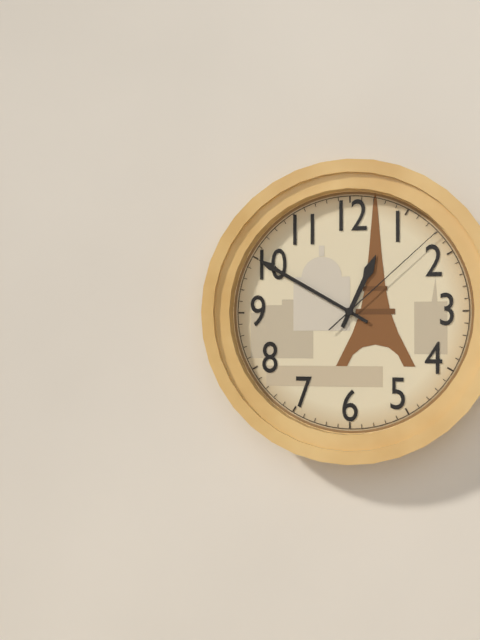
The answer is 12.50.08
